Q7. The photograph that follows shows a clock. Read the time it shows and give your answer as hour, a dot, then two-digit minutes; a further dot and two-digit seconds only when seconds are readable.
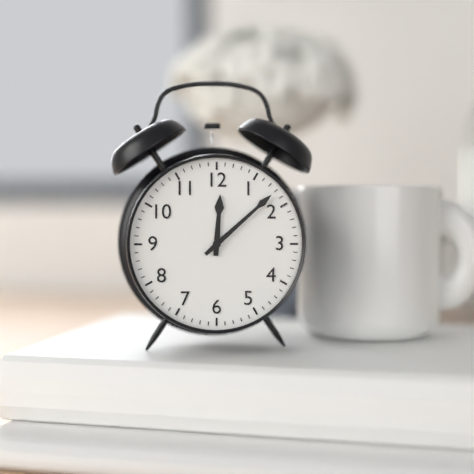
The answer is 12.08
